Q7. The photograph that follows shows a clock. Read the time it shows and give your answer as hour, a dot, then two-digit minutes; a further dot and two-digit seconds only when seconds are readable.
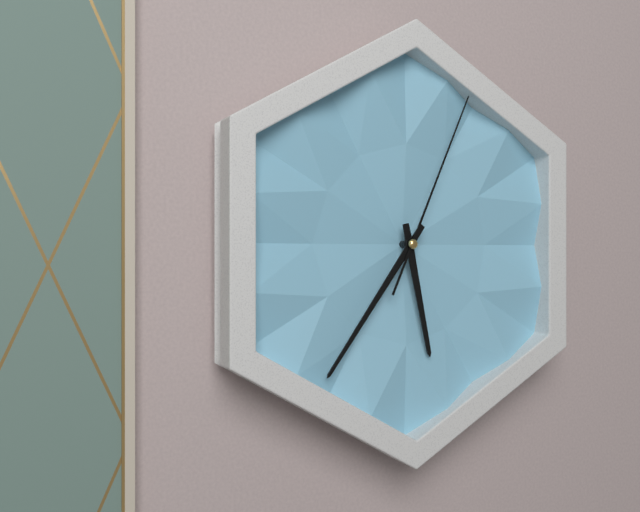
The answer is 5.36.04
